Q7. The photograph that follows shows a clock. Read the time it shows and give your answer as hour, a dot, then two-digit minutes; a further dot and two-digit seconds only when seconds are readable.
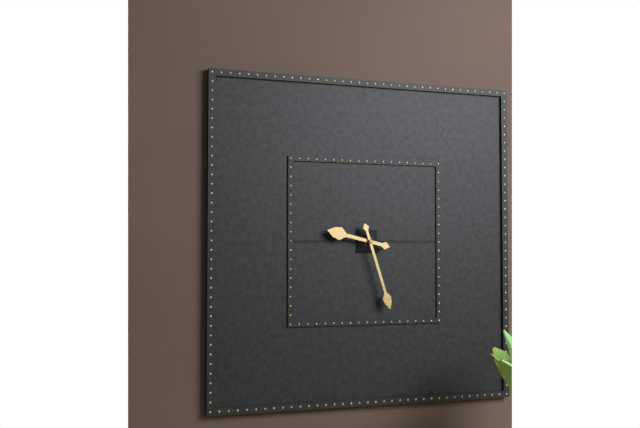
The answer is 9.27
